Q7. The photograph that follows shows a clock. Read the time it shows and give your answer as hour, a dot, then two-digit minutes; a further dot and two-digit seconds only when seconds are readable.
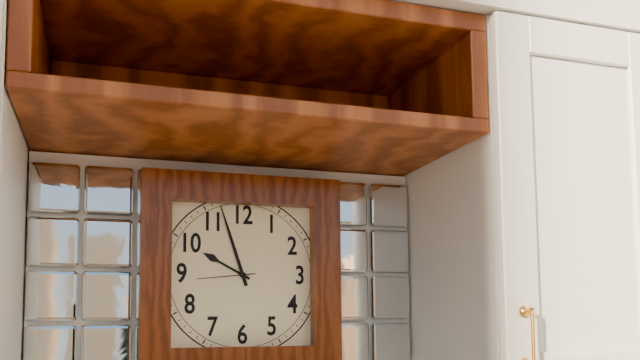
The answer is 9.57.44
